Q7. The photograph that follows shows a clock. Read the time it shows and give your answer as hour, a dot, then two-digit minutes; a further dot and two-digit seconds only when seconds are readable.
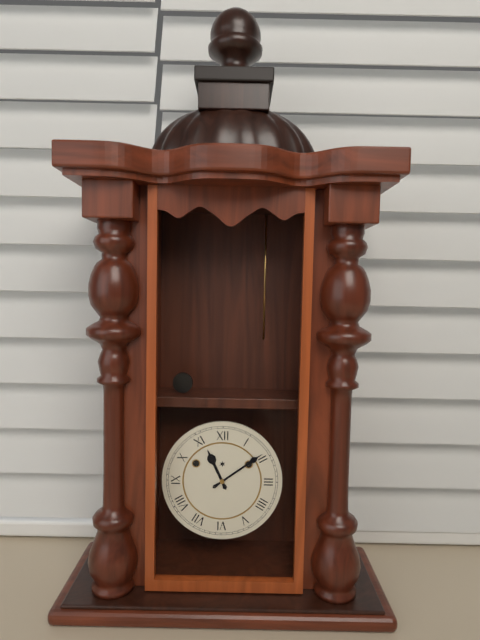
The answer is 11.09
